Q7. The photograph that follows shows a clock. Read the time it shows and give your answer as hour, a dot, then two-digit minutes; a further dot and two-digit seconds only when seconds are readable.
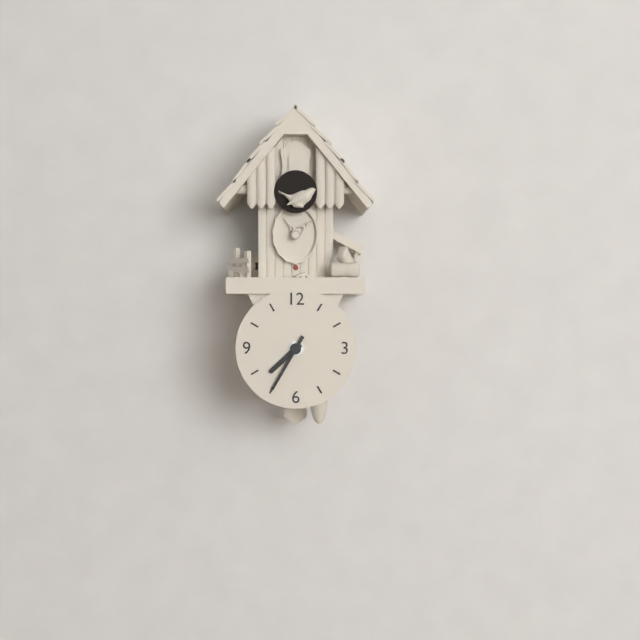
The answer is 7.35
